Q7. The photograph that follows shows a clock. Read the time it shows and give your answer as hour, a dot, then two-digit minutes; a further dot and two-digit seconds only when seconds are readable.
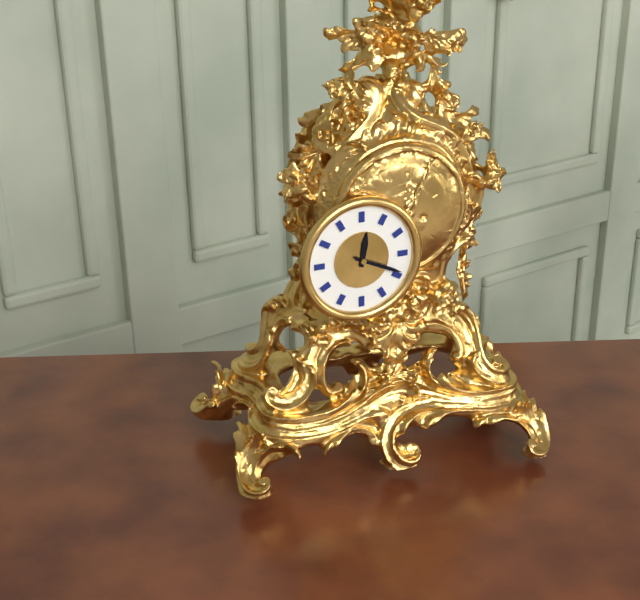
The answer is 12.19
